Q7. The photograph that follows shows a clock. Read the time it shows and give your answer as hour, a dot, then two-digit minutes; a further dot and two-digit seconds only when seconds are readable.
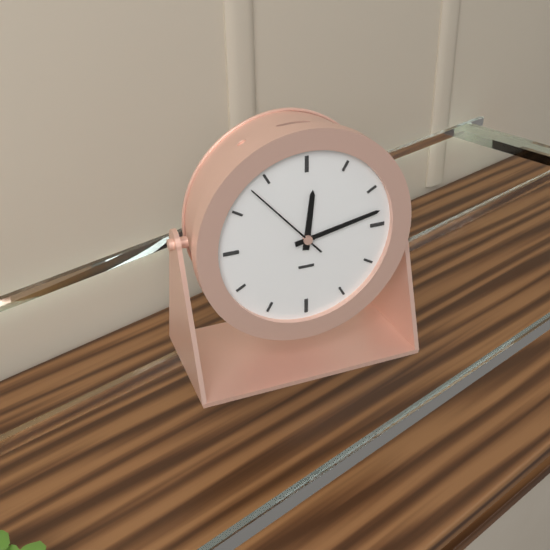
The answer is 12.13.53
